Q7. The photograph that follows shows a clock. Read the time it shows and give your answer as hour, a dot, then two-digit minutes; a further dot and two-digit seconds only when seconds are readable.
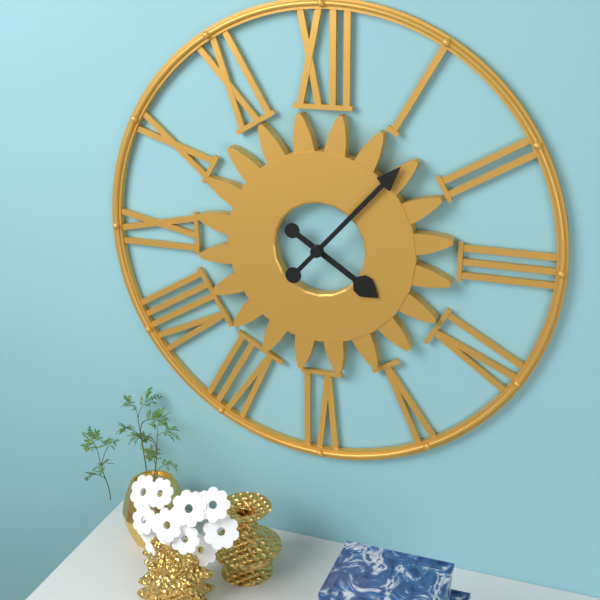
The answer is 4.07
